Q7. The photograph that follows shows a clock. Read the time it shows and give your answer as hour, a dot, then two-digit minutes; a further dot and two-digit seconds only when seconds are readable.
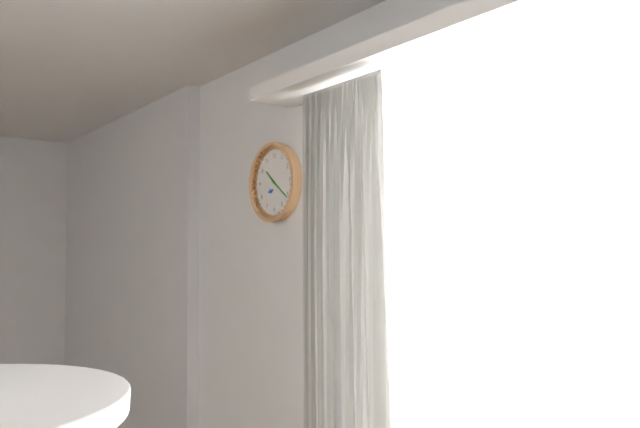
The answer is 10.21
